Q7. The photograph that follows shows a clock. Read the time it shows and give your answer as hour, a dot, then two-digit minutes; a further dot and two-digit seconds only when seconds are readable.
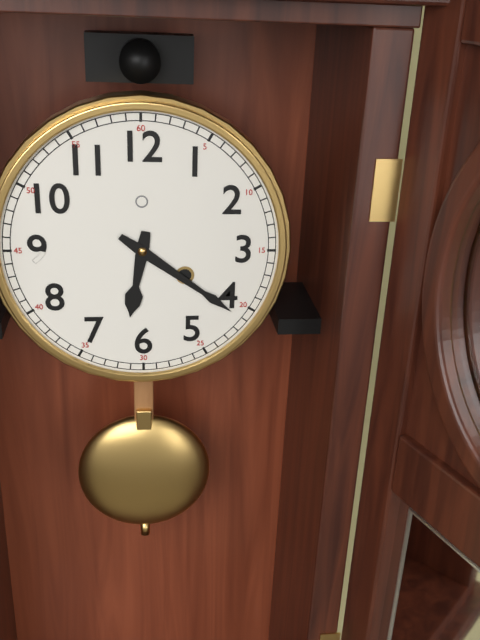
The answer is 6.21
